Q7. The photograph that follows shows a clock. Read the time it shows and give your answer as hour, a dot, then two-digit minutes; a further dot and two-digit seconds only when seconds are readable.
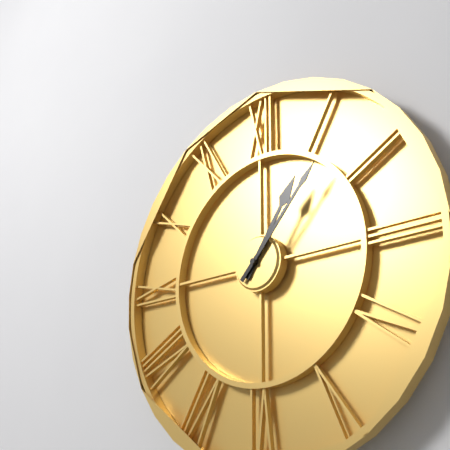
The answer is 1.07
